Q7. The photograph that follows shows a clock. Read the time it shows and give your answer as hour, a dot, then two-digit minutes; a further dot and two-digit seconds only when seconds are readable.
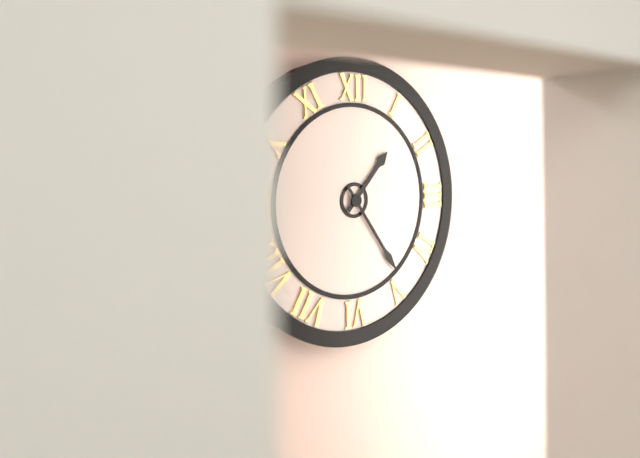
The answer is 1.24
